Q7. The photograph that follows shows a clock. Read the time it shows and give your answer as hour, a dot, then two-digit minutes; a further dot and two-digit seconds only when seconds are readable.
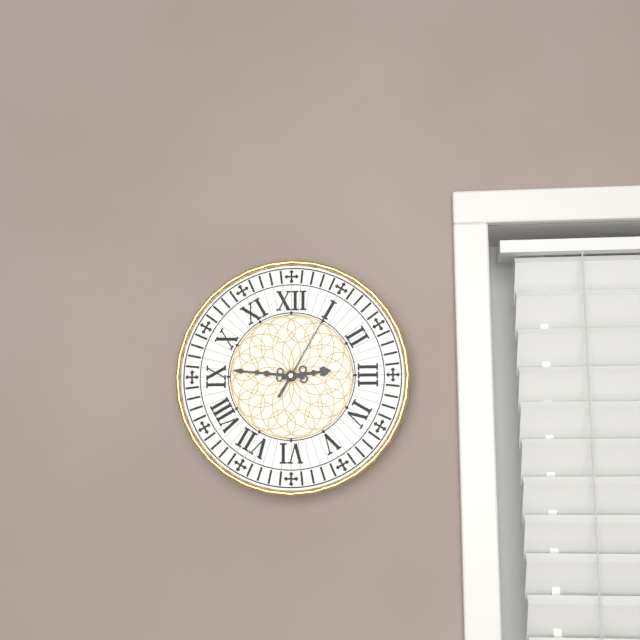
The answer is 2.46.05
